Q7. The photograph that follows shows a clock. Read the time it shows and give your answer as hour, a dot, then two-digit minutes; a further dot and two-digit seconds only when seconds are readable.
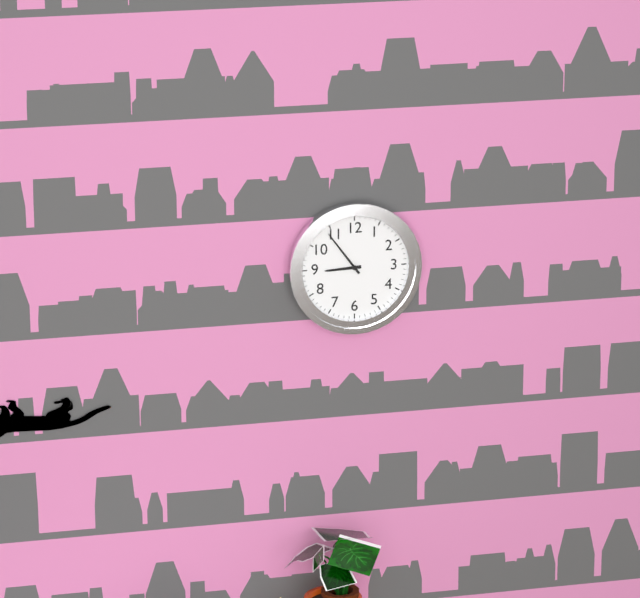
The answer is 8.54
